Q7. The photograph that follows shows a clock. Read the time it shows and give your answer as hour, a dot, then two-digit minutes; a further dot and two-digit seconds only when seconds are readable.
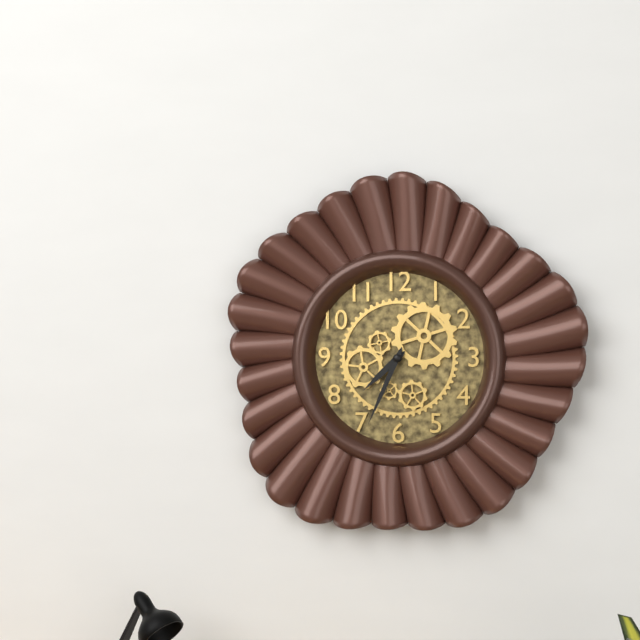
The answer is 7.34
